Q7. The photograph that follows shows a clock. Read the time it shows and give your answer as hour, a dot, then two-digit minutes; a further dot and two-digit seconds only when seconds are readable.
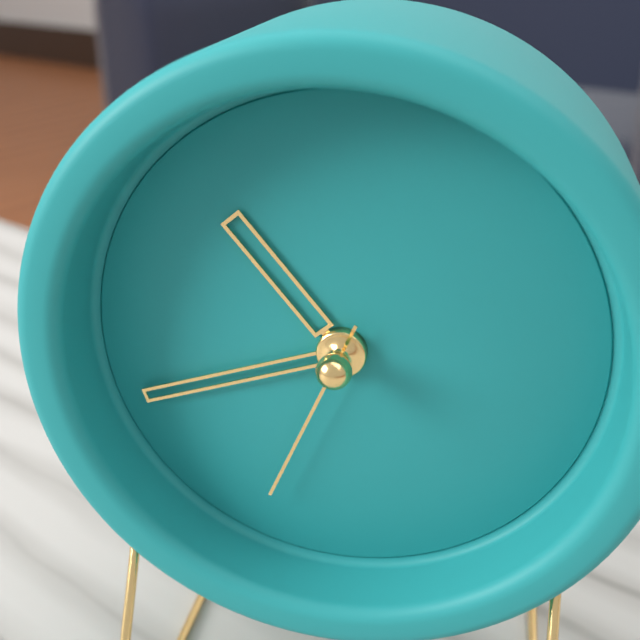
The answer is 10.42.34
